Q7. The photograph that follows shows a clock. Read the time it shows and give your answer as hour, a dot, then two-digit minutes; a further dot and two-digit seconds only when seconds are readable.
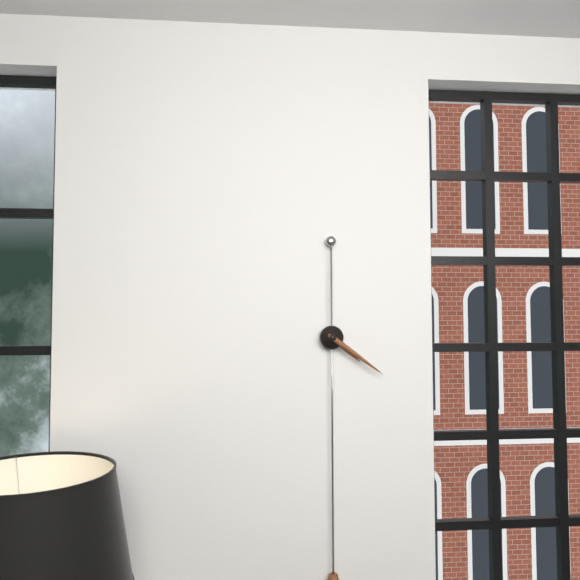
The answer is 4.21
